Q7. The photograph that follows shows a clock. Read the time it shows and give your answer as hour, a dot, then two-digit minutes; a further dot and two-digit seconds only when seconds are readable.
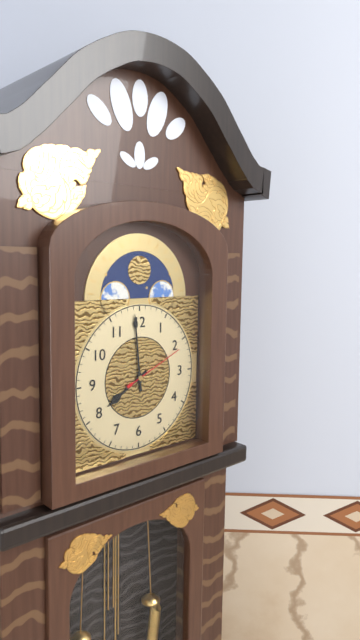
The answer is 7.59.11
